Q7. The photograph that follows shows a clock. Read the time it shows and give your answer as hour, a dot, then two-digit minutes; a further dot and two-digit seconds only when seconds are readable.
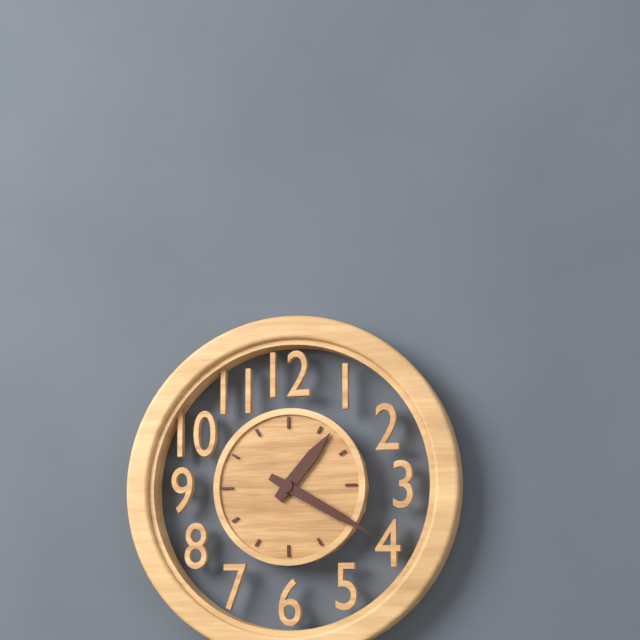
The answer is 1.20
